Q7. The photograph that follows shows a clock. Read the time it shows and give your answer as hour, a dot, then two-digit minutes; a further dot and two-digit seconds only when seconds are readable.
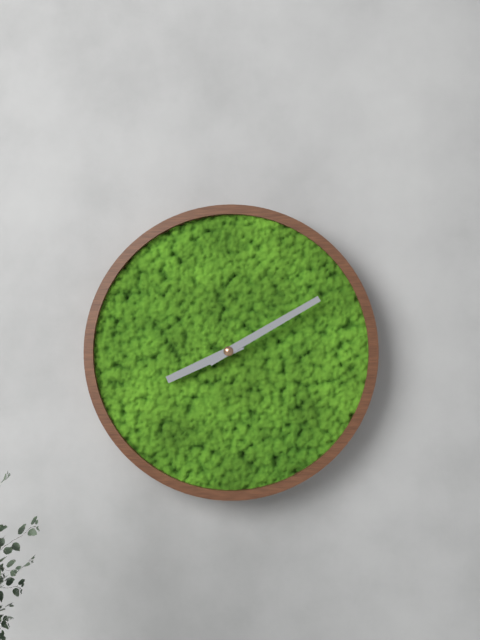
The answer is 8.10
